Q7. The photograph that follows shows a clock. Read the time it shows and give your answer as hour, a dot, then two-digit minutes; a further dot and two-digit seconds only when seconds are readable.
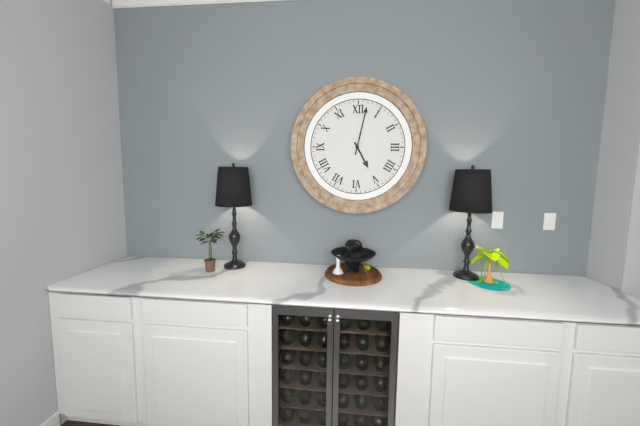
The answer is 5.02
